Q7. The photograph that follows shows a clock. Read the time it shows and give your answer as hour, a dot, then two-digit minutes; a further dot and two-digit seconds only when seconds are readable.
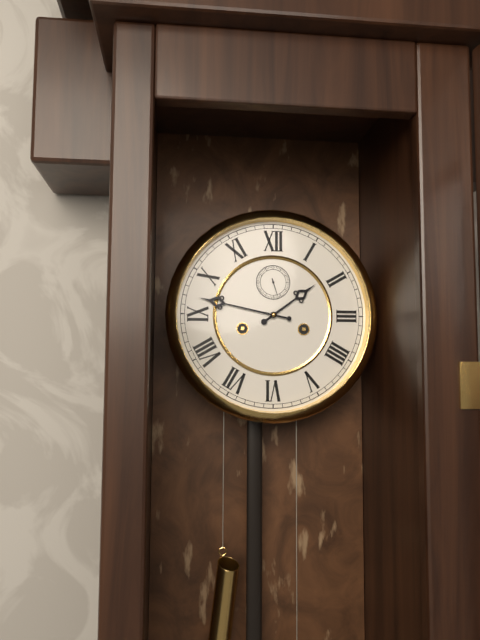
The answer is 1.47
